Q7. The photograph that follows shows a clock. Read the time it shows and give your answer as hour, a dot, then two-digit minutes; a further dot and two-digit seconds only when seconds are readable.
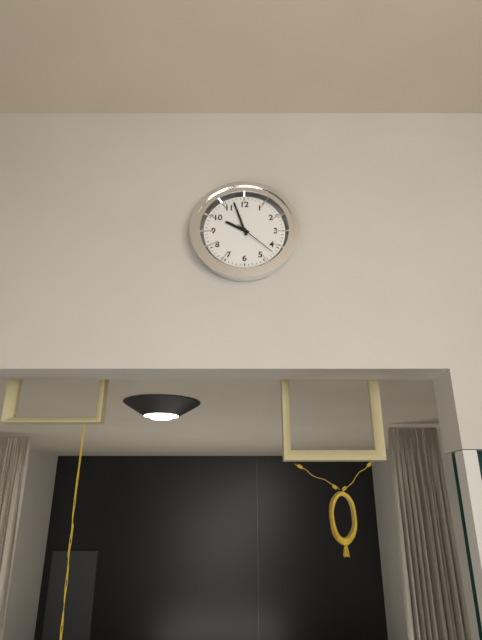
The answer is 9.57
